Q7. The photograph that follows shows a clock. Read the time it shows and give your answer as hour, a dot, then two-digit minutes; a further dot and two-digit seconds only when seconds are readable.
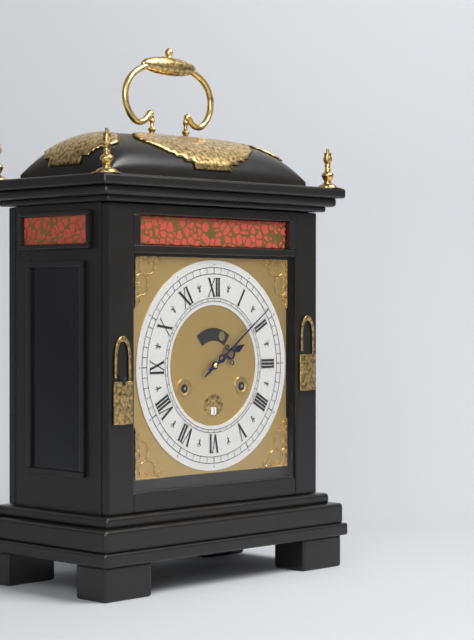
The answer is 2.09
